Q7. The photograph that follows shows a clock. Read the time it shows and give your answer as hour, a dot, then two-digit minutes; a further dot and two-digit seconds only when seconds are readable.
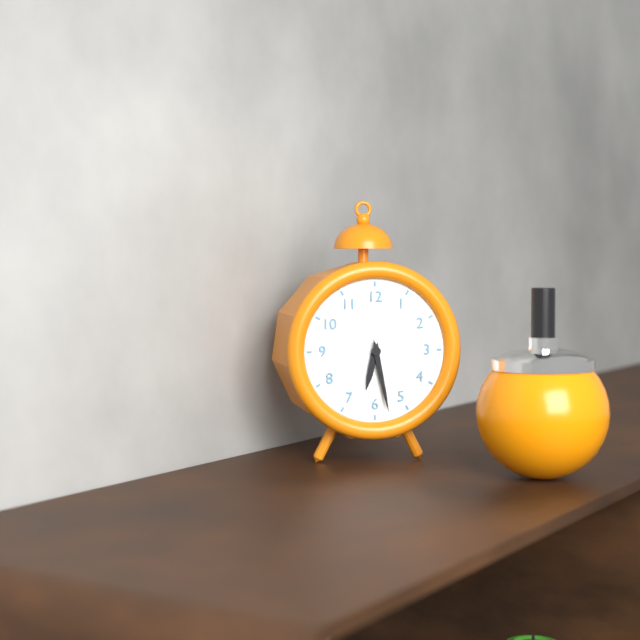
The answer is 6.28
